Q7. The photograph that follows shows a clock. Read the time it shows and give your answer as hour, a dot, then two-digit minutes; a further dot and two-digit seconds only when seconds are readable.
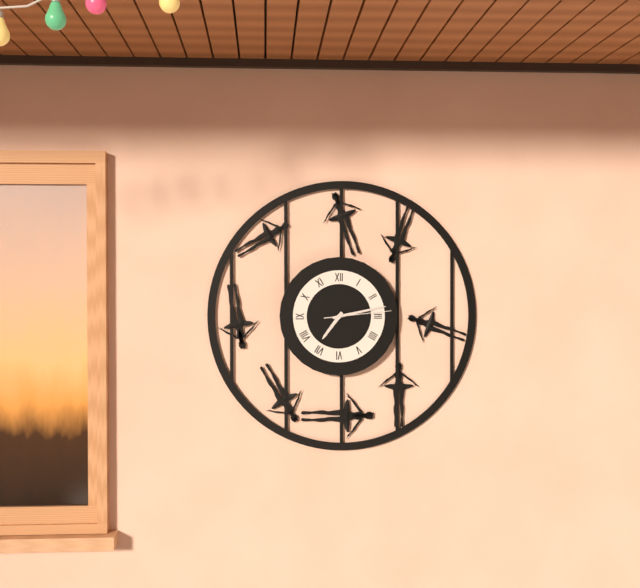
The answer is 7.13.14
